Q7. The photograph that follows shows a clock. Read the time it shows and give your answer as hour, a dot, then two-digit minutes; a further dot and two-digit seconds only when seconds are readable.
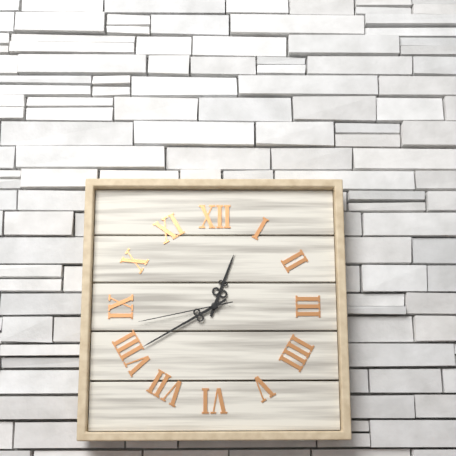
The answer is 12.40.43
